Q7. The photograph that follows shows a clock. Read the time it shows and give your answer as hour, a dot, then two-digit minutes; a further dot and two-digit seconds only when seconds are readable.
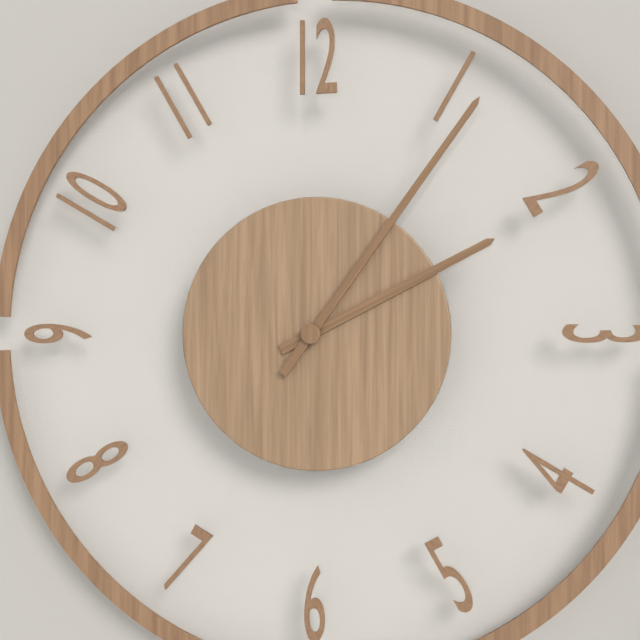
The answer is 2.06
